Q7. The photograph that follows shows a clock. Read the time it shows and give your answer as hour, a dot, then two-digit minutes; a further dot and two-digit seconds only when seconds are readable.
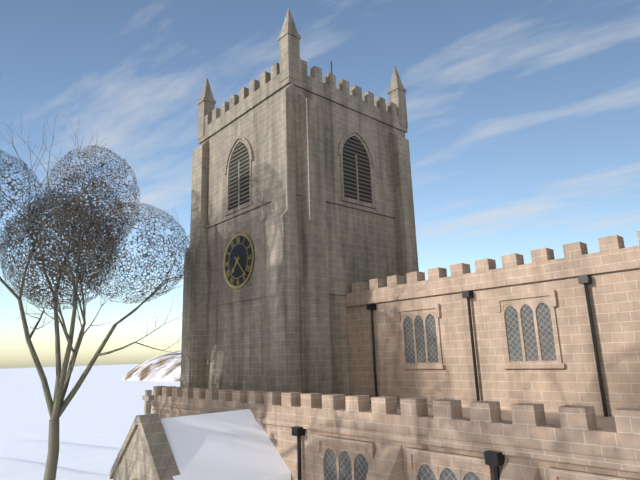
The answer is 7.23
